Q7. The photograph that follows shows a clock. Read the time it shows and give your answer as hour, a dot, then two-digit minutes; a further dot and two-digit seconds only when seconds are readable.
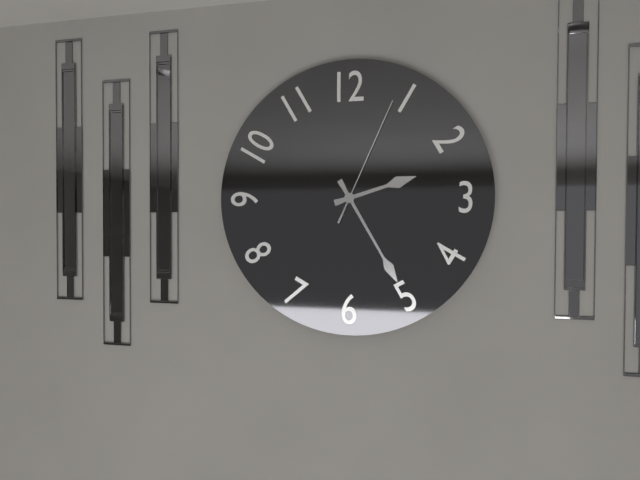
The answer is 2.25.04
